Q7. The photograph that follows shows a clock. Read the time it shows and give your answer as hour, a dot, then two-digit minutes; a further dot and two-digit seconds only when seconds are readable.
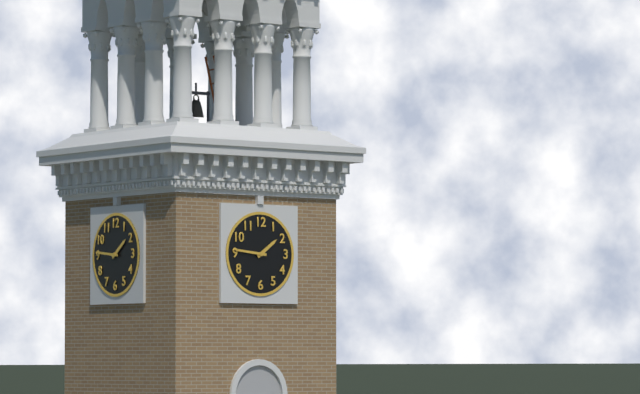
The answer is 1.46
